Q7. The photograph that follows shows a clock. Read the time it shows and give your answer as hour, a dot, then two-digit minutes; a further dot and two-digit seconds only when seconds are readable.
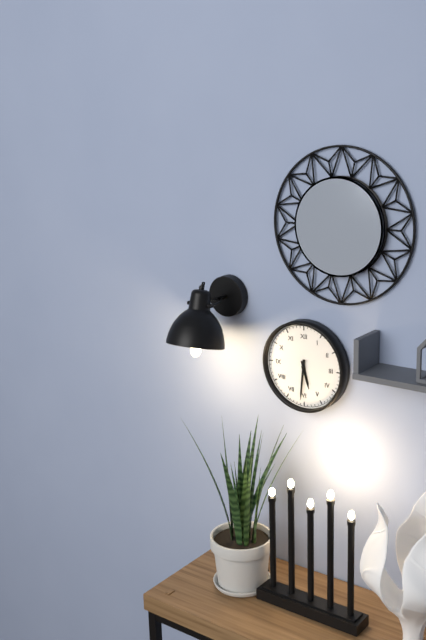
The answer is 5.31
